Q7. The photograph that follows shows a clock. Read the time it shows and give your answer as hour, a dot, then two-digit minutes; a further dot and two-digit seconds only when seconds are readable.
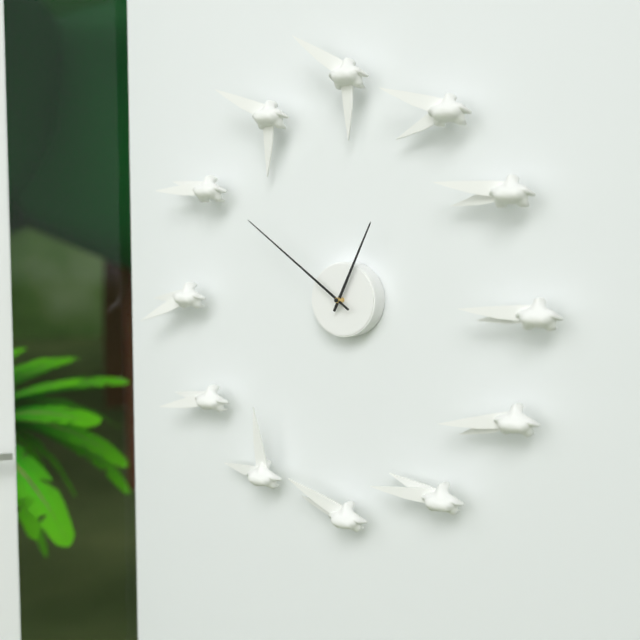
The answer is 12.51
